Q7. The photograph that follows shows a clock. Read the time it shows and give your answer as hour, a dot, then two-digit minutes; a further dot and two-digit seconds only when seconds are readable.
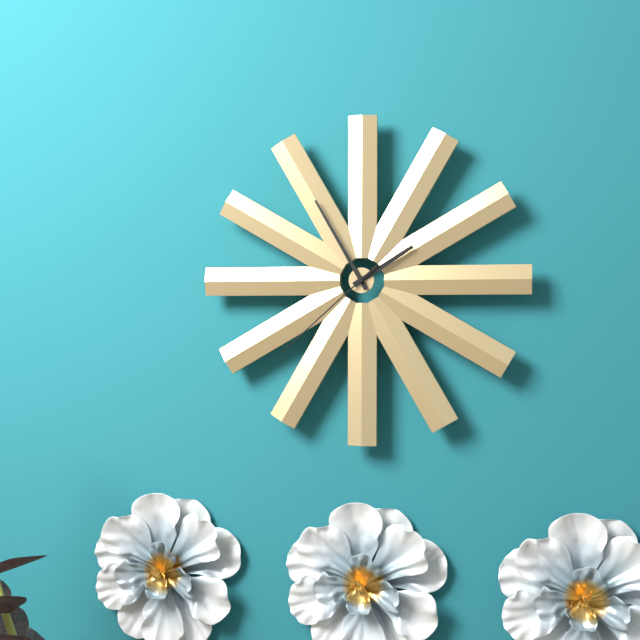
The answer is 1.55.38
